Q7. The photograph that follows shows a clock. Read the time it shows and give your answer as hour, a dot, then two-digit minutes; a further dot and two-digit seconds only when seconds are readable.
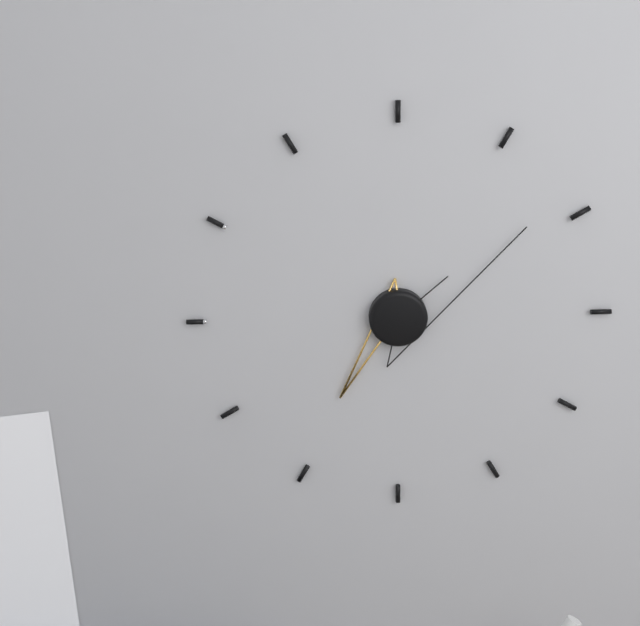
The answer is 7.09
